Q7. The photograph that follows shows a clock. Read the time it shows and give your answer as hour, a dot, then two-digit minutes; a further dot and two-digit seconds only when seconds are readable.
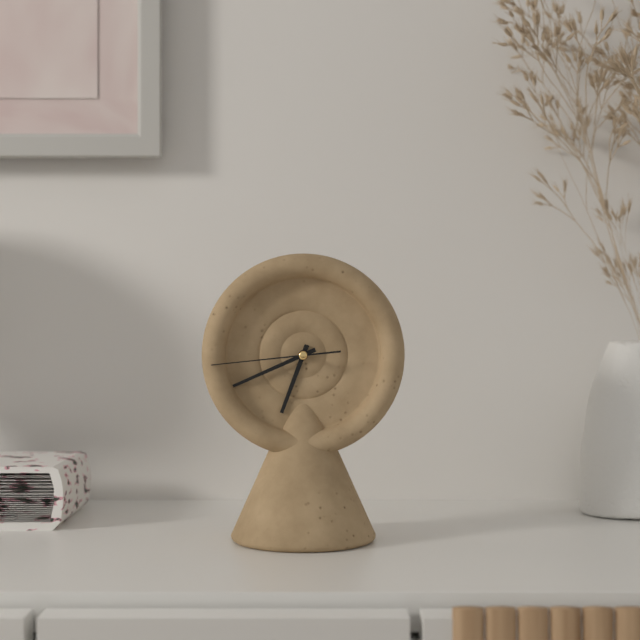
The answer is 6.41.44
